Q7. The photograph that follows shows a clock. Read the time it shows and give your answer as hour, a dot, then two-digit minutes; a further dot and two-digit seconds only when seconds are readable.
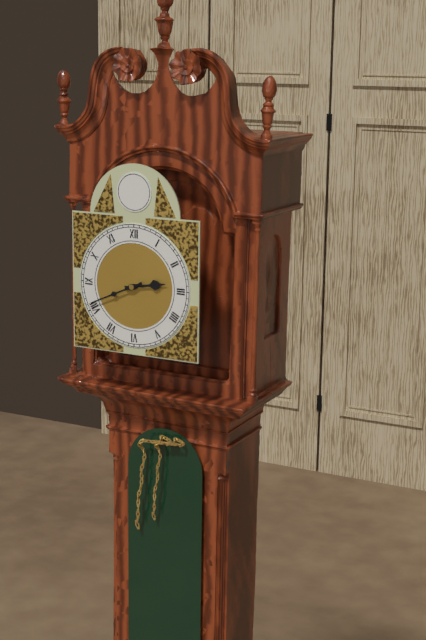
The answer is 2.41
